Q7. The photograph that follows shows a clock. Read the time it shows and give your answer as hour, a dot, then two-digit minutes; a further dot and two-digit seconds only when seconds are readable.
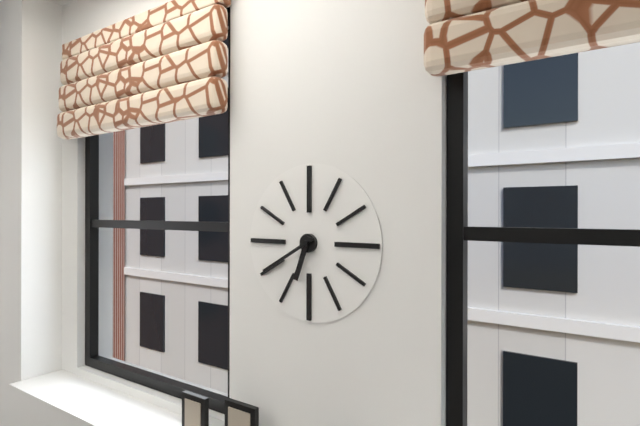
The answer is 6.40
